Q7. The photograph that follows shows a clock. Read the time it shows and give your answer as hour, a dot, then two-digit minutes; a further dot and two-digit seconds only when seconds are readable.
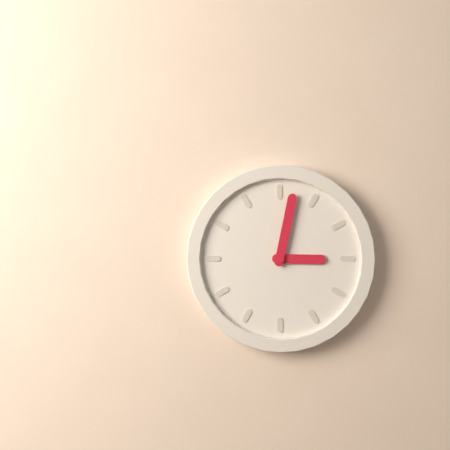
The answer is 3.02
